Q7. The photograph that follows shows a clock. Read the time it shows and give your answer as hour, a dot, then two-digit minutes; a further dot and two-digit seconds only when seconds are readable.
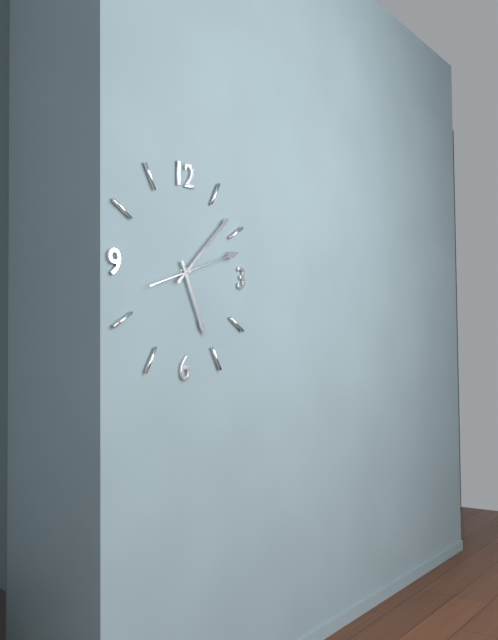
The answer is 5.08.12
